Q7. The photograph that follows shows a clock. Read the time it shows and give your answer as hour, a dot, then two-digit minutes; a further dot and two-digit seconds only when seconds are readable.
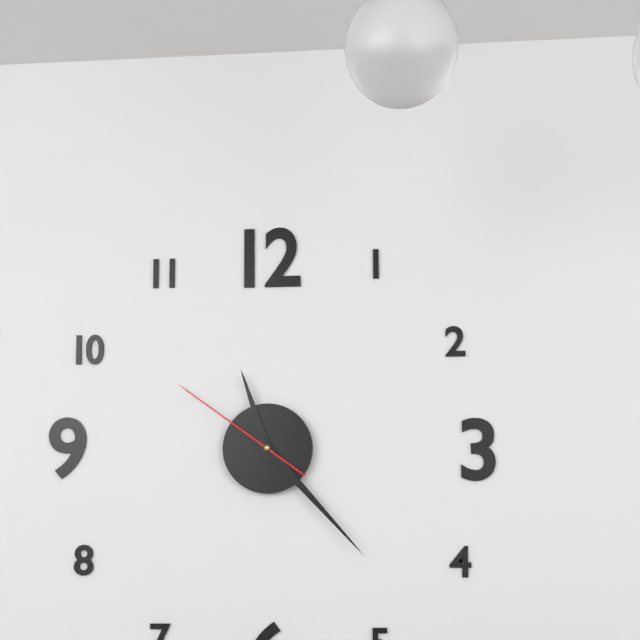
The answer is 11.23.51
